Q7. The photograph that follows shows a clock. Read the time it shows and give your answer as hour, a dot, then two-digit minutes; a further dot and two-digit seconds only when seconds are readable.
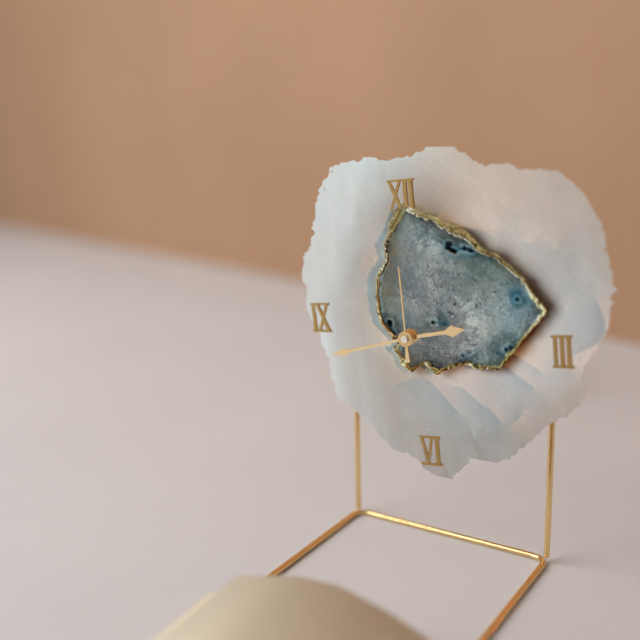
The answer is 2.43.00
